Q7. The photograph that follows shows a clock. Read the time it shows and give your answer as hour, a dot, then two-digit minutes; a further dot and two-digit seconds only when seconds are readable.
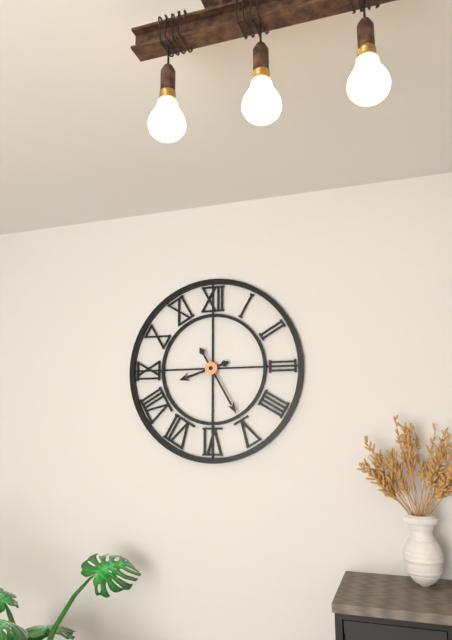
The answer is 8.25
